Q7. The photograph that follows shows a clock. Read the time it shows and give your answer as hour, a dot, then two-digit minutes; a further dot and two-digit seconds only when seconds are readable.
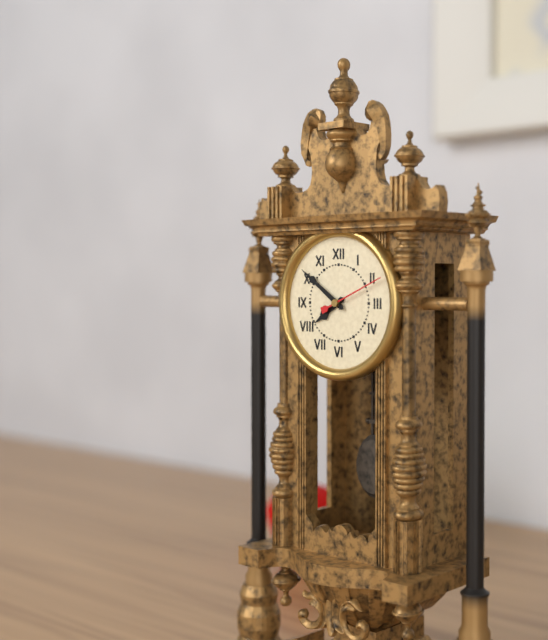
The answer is 7.51.11
